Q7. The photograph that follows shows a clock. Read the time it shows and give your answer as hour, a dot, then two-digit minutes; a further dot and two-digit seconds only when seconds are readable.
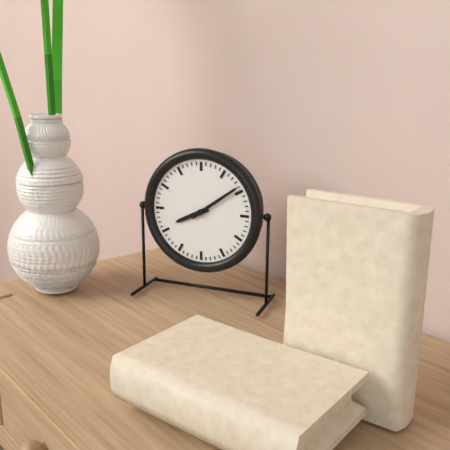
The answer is 8.09
